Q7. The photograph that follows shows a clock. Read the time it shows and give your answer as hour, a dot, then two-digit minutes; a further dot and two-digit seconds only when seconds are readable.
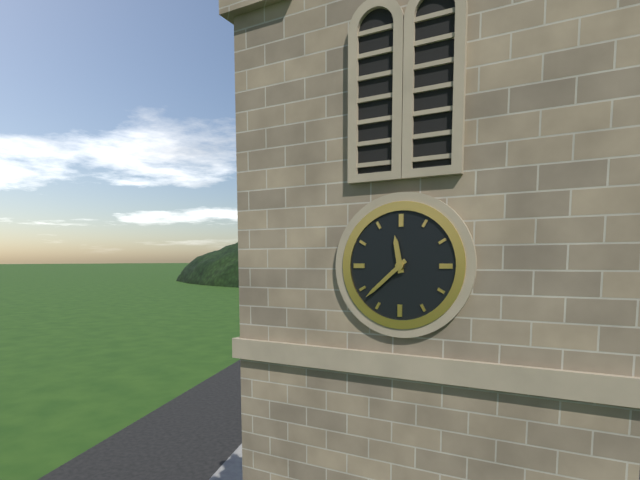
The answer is 11.38
